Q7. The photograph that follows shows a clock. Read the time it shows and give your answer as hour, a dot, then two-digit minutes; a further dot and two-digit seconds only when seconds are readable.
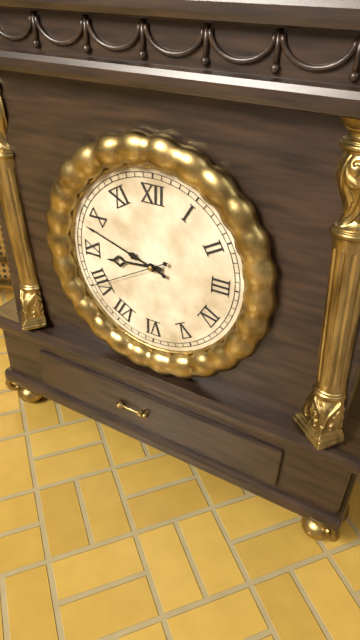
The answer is 8.48.40
